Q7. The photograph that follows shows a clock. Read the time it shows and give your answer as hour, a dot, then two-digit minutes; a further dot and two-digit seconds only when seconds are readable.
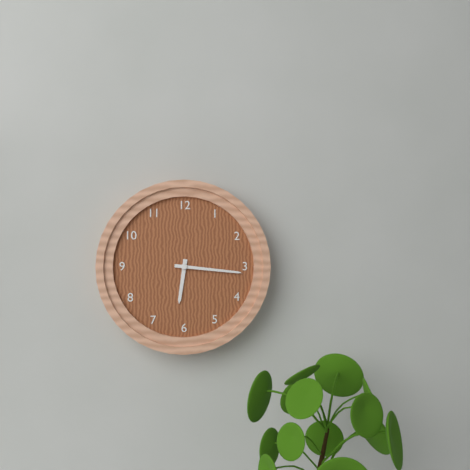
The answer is 6.16
